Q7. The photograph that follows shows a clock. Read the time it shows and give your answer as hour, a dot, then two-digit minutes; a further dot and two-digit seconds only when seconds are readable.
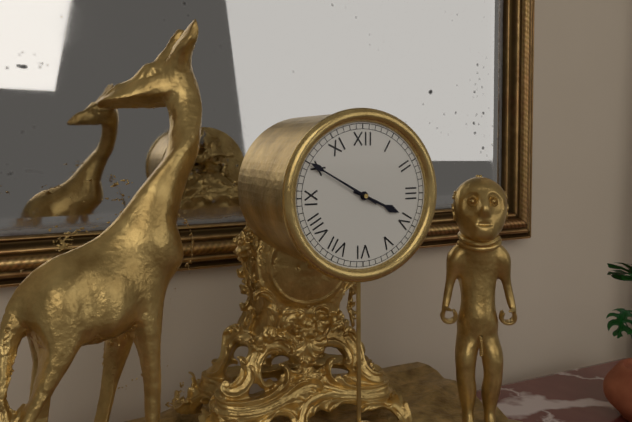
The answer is 3.50
